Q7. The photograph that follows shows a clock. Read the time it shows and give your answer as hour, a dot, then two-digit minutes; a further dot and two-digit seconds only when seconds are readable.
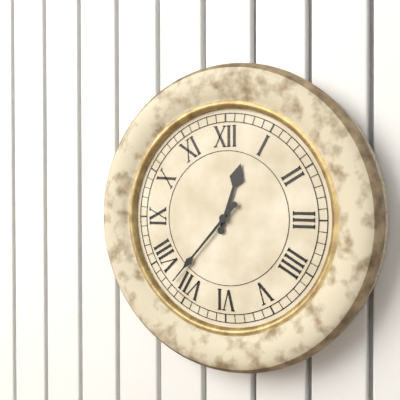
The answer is 12.37
